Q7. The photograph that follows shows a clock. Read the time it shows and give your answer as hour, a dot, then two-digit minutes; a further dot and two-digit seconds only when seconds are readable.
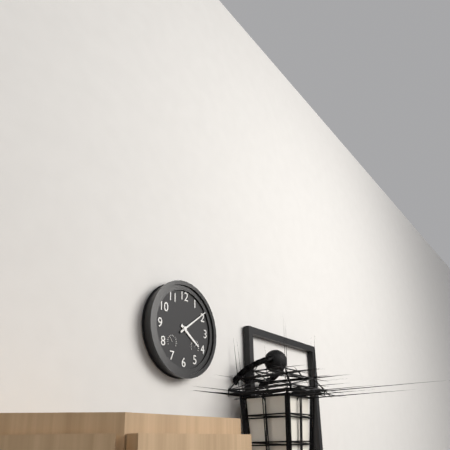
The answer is 4.09
